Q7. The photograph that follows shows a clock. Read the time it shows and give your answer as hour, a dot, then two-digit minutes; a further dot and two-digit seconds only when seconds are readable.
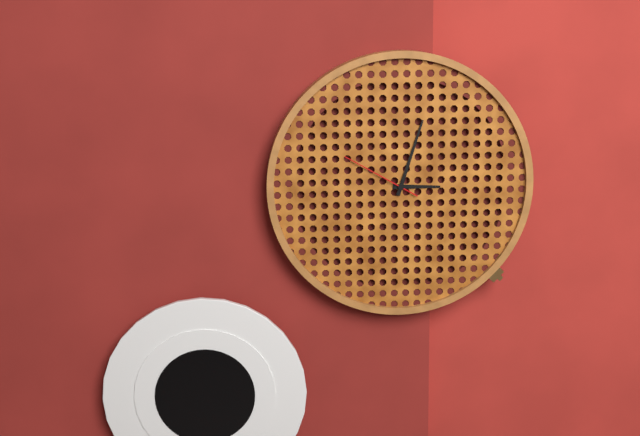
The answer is 3.03.50
